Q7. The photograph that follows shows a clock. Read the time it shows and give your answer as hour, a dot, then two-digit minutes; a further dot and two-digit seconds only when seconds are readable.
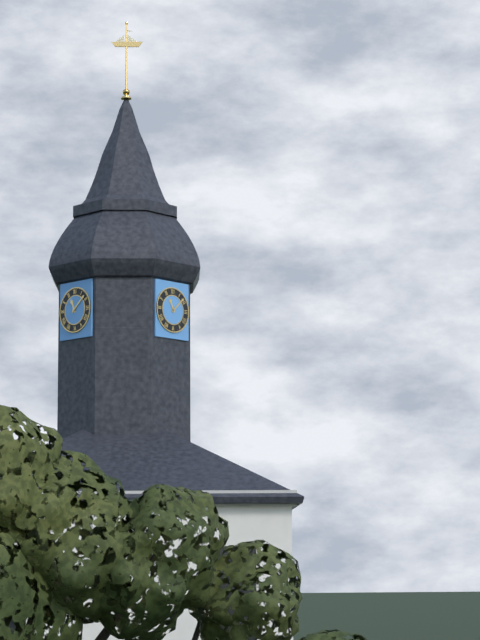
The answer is 11.08
